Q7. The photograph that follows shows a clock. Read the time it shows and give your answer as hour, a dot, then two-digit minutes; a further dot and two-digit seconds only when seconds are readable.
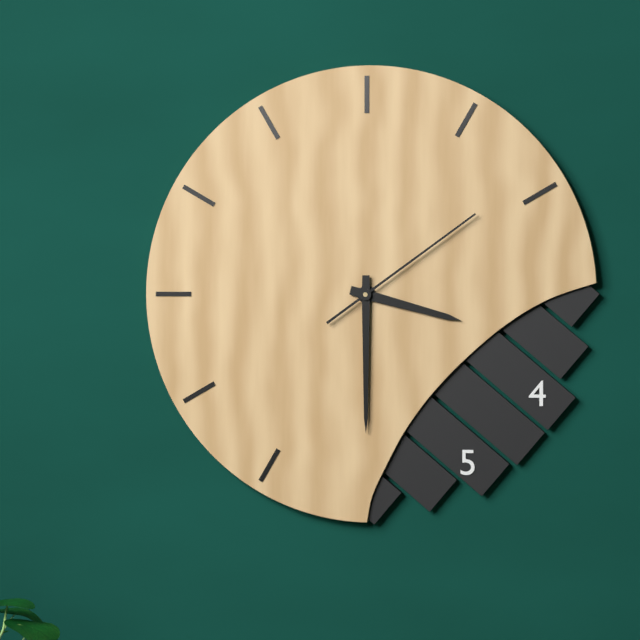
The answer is 3.30.09
